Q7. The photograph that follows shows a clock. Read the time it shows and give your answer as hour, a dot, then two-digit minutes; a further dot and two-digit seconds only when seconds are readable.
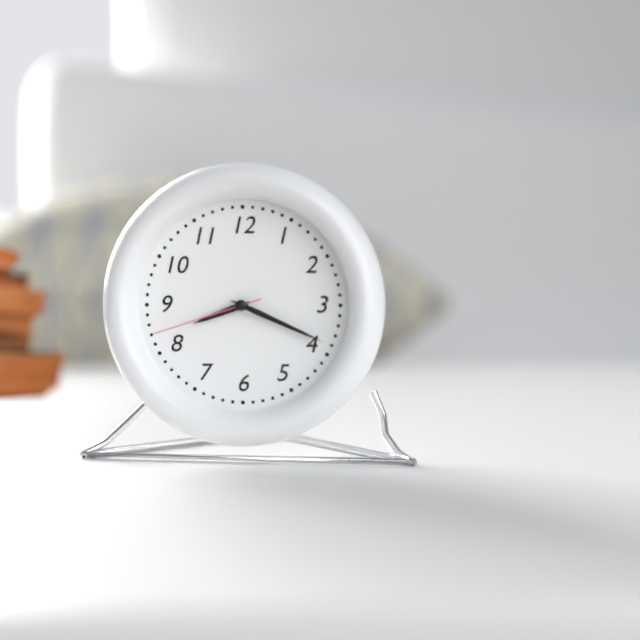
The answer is 8.19.42
